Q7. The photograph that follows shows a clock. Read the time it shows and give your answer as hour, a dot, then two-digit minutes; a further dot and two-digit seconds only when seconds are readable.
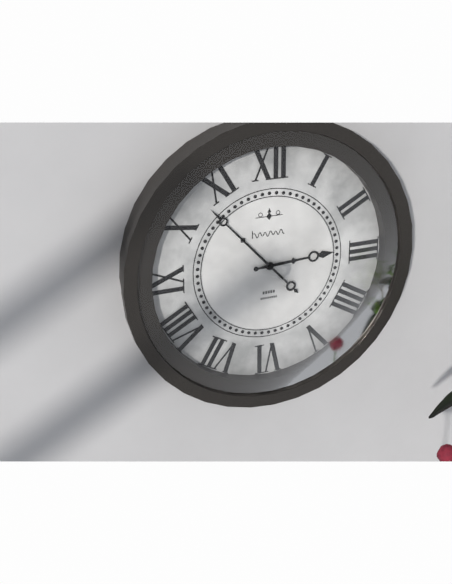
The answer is 2.53
